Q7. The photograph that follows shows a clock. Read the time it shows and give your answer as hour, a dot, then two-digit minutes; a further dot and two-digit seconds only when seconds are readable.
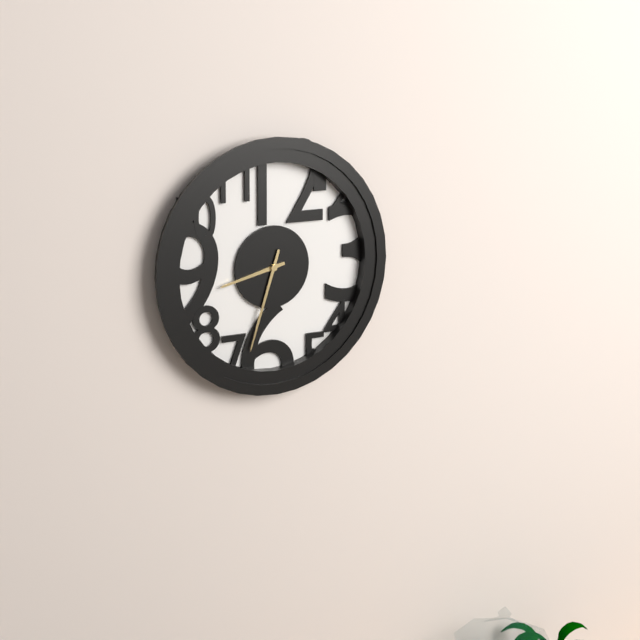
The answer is 8.33
